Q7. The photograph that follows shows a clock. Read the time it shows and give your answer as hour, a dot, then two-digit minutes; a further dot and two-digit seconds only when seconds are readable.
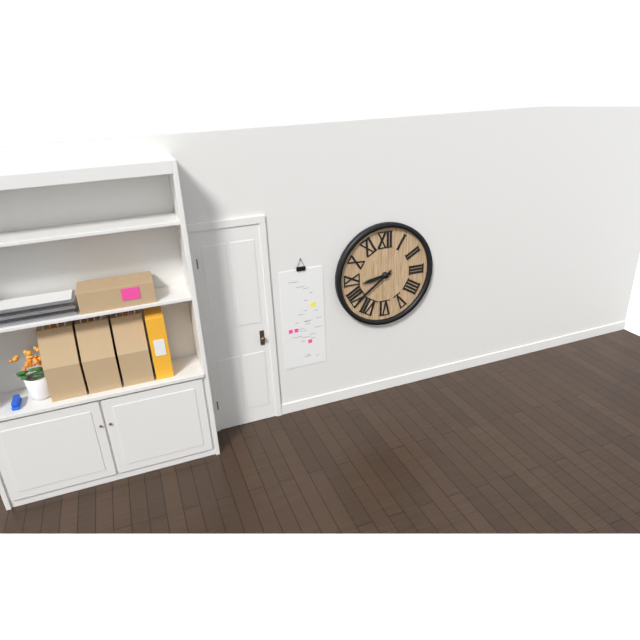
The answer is 8.39
